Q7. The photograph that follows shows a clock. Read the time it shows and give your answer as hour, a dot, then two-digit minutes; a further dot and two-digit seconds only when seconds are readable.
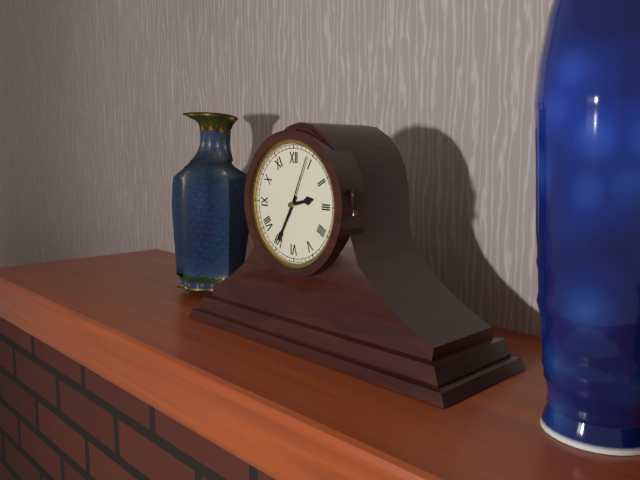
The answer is 2.35.04
